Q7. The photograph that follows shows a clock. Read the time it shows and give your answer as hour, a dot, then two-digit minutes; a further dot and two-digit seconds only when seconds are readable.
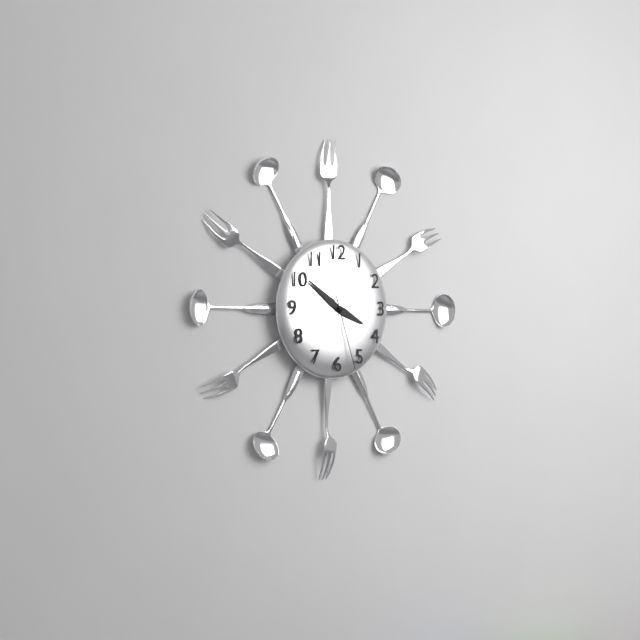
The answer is 3.51.27
